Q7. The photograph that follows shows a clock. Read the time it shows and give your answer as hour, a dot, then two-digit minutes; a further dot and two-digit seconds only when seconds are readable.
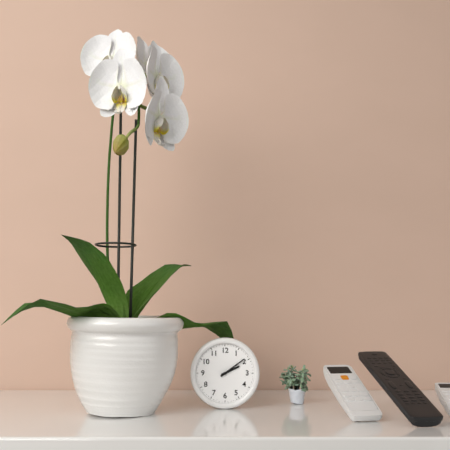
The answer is 2.09
